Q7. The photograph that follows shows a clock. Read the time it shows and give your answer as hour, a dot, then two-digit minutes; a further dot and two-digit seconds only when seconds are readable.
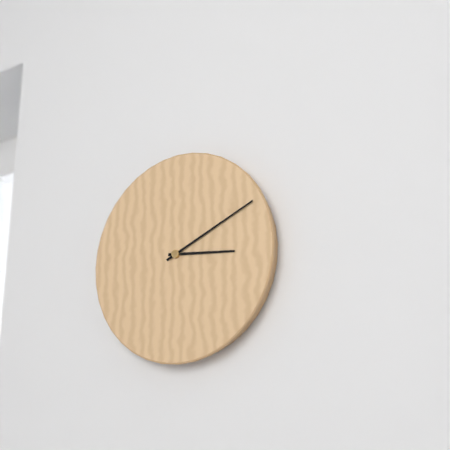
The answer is 3.11
